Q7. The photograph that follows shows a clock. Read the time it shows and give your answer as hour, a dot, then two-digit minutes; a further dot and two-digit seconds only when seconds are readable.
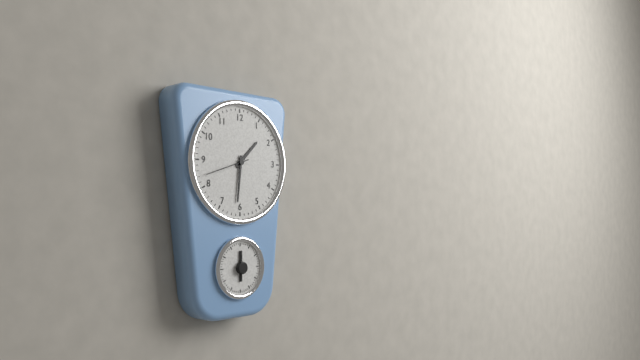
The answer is 1.31
